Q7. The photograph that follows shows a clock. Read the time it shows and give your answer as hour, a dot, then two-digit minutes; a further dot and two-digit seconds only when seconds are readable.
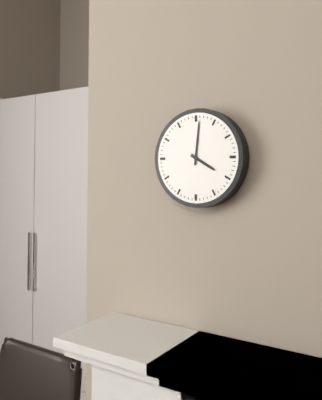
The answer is 4.01
